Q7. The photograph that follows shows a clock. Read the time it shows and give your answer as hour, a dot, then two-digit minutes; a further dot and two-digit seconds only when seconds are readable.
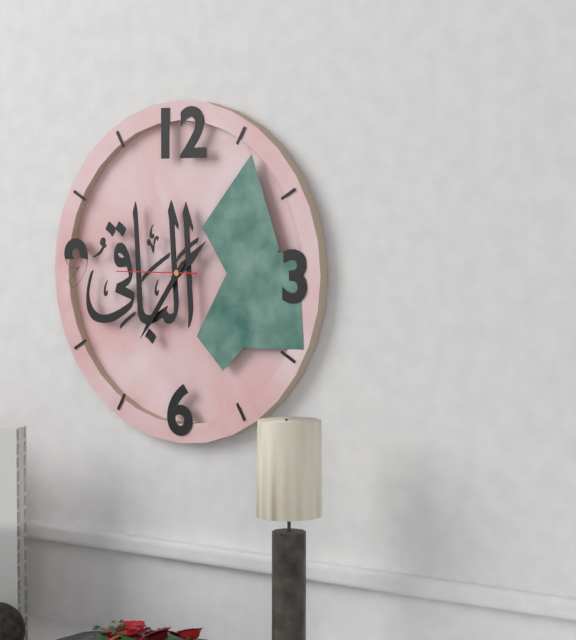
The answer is 1.36.45
